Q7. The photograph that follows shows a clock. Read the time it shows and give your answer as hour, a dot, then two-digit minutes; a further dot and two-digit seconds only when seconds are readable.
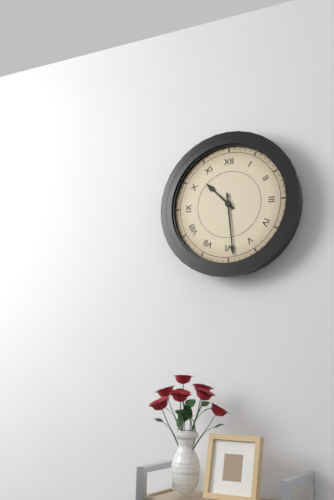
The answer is 10.29
